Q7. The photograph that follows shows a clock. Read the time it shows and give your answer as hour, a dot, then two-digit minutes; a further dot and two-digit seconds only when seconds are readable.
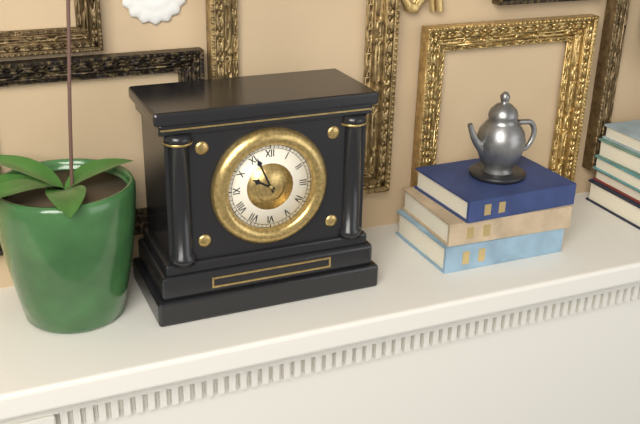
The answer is 9.56
